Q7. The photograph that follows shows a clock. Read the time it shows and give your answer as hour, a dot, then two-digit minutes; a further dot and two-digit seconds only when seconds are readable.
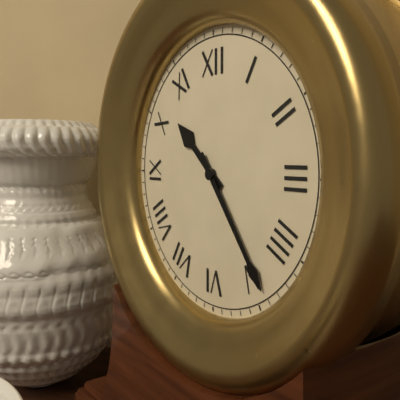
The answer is 10.24
